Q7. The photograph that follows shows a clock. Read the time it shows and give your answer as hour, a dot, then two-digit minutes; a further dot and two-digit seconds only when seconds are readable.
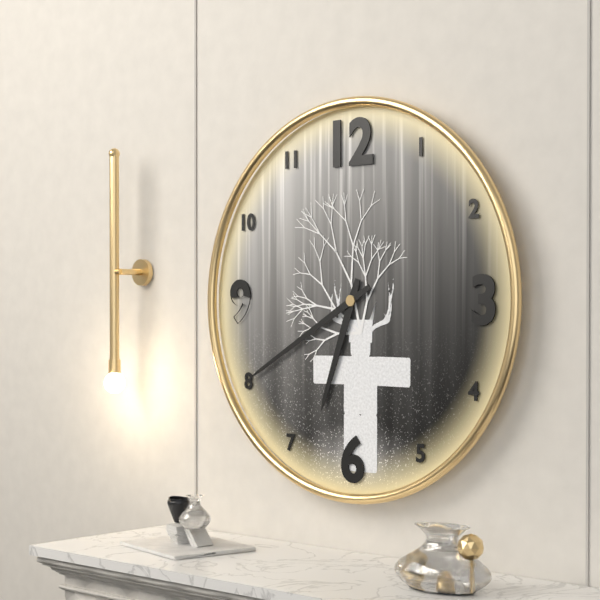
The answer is 6.40
